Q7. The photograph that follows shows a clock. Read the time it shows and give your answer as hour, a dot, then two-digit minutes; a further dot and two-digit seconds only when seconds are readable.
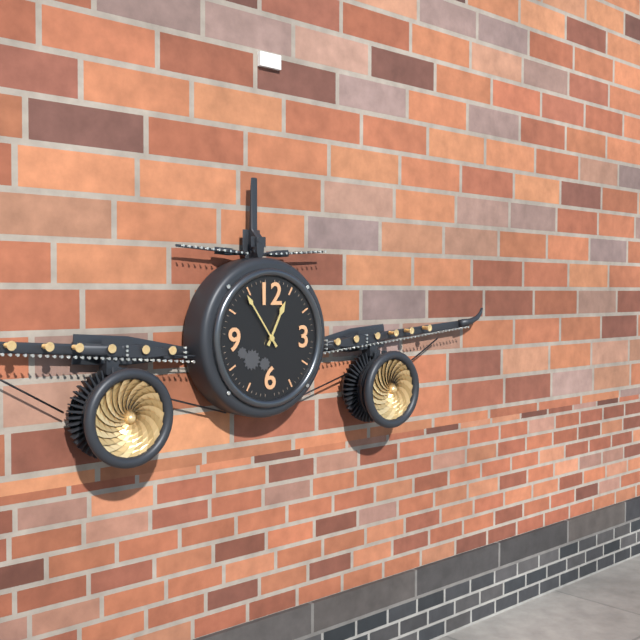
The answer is 12.54
